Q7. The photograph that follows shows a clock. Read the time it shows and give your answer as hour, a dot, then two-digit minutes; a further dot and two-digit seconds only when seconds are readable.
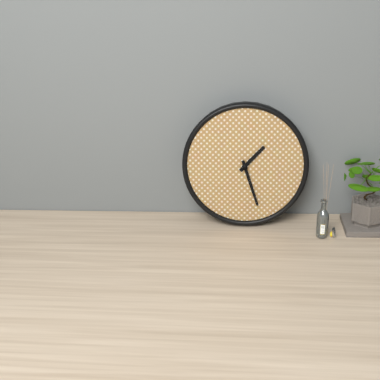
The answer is 1.27
